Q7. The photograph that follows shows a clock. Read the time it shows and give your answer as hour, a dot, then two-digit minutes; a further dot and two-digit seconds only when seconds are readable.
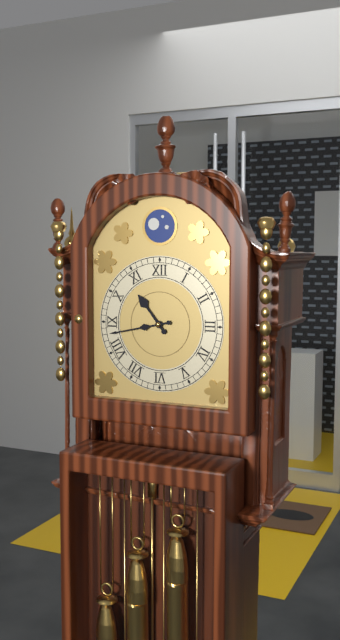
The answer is 10.43
